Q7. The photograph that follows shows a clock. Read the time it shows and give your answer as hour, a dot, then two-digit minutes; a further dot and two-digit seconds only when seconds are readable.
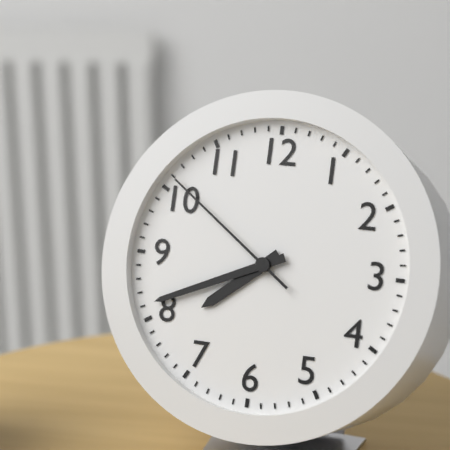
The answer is 7.41.51
